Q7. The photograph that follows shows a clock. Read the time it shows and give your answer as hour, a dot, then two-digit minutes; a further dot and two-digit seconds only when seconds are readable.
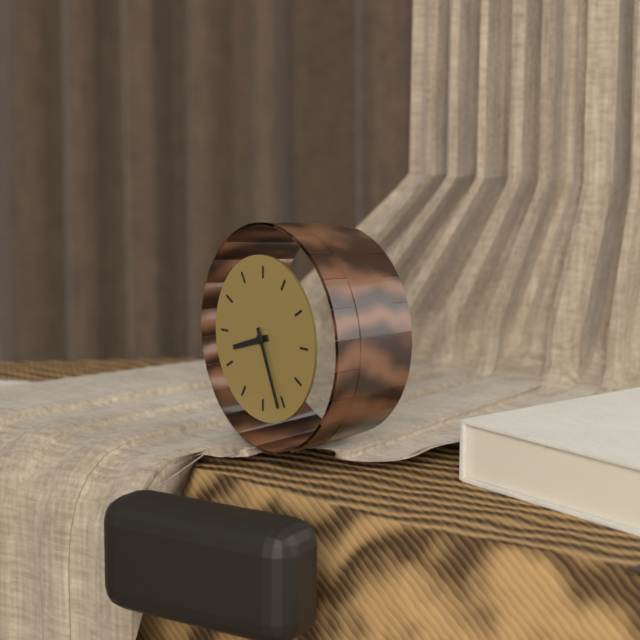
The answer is 8.26
